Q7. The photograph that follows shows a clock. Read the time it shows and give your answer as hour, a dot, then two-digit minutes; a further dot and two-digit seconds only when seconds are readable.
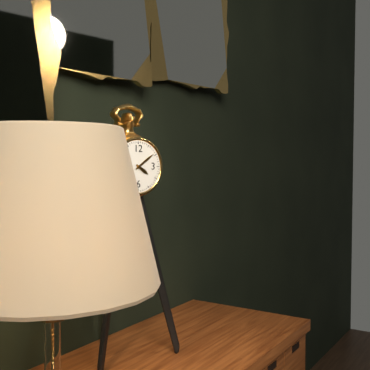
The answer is 4.09
